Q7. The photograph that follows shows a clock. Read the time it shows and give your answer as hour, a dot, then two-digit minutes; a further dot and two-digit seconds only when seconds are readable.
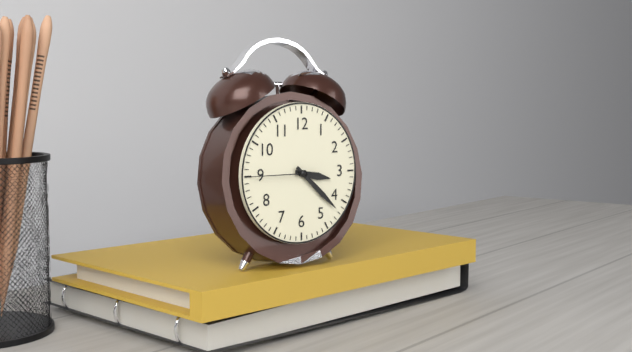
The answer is 3.22.45
